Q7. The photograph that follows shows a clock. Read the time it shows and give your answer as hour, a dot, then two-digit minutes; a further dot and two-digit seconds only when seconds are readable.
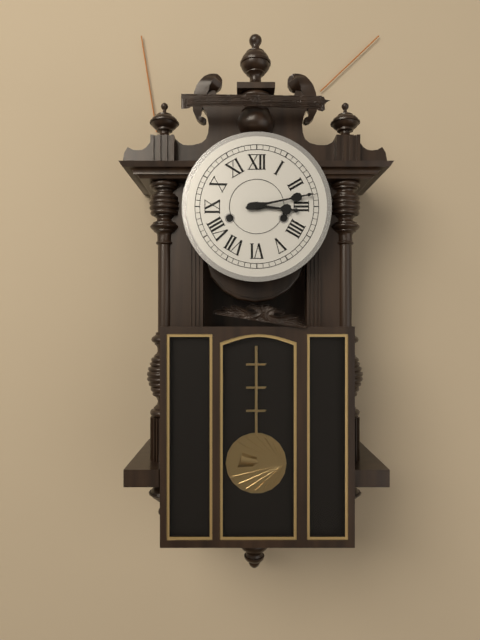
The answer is 3.13
